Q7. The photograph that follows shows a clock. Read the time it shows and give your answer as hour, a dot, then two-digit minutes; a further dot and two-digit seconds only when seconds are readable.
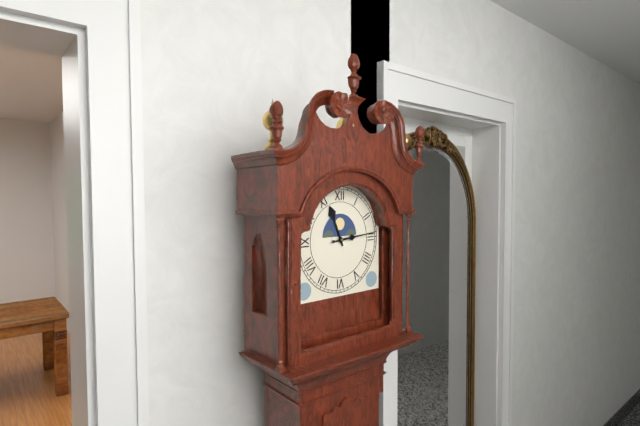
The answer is 11.14
